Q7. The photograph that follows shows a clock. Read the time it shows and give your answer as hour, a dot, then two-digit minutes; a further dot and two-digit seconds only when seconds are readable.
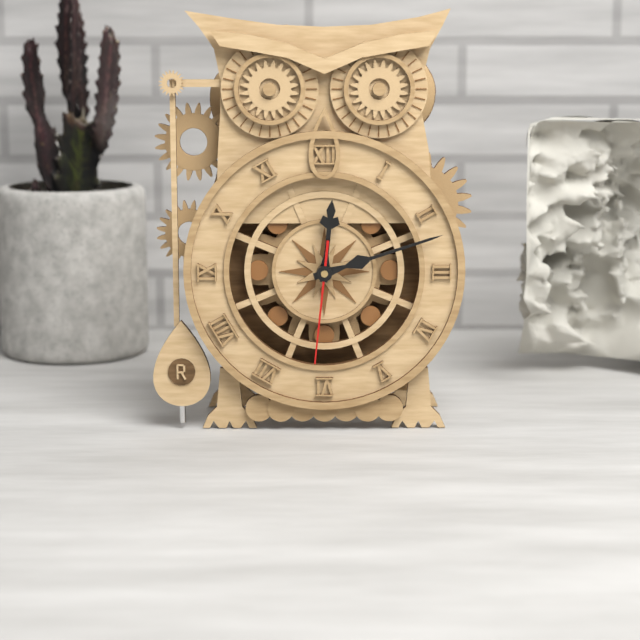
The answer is 12.12.31
